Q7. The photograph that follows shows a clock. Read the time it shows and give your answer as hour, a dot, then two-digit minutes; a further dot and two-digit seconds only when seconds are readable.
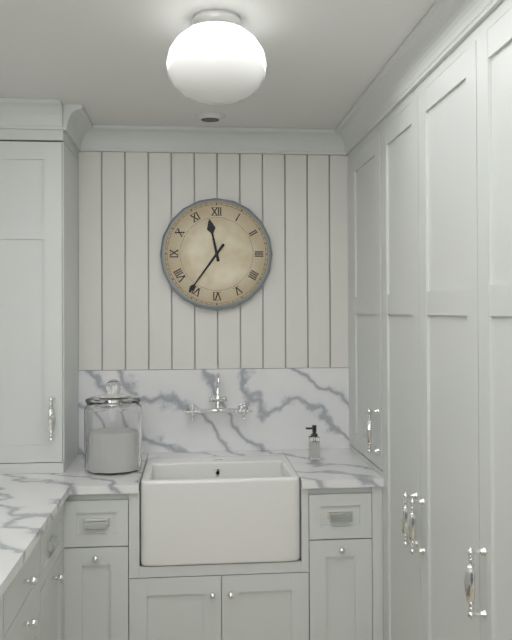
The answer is 11.36
